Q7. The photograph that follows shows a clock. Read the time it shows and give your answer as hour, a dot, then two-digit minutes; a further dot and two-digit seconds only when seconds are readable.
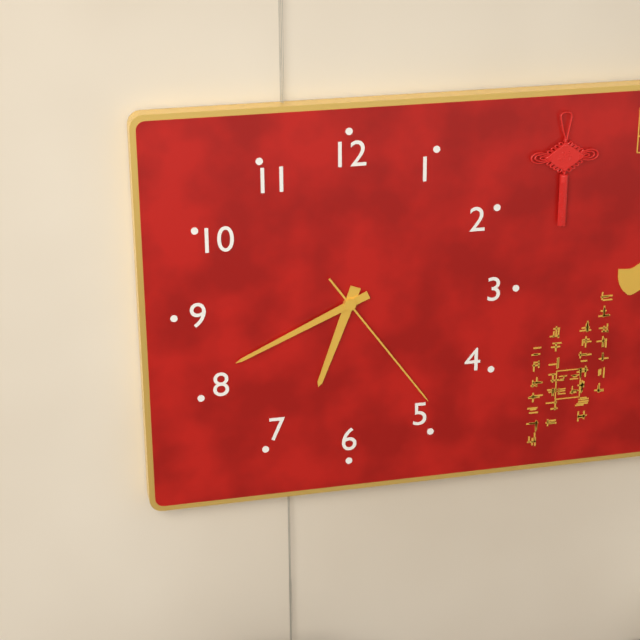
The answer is 6.41.24
